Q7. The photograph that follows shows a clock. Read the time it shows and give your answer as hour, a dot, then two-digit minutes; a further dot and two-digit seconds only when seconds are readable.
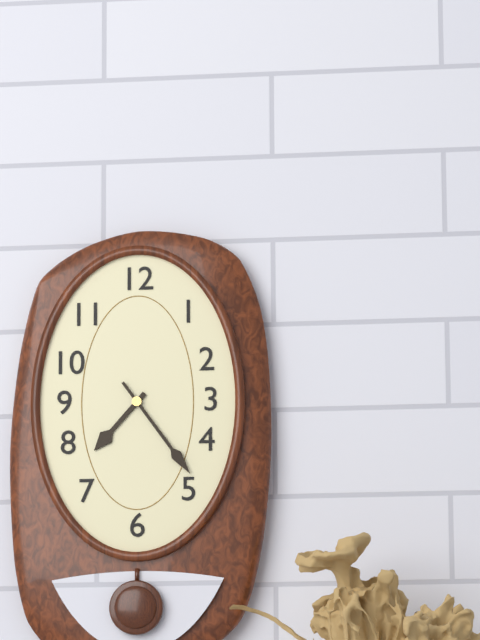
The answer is 7.24
